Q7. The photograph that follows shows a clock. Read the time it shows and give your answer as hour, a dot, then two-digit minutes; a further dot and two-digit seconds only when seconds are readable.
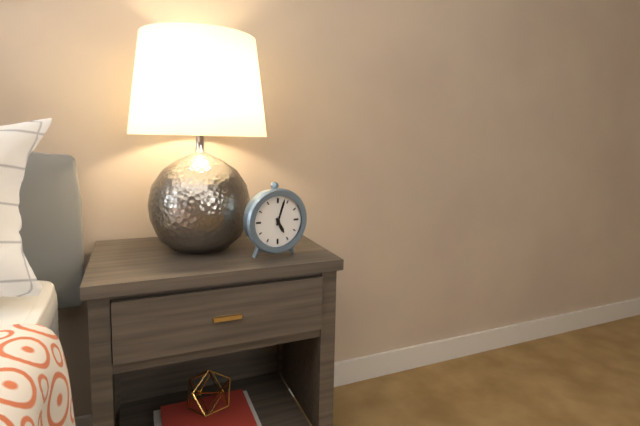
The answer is 5.03
